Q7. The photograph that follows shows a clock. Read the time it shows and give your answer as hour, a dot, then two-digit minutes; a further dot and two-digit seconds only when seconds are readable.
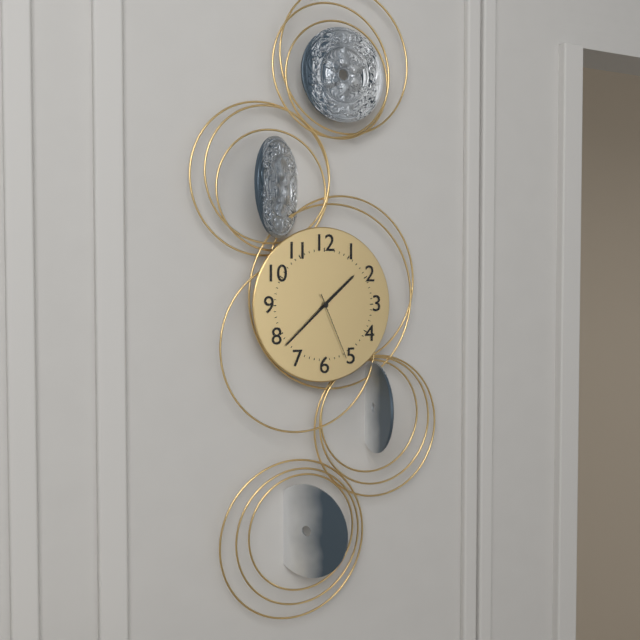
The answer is 1.38.26
